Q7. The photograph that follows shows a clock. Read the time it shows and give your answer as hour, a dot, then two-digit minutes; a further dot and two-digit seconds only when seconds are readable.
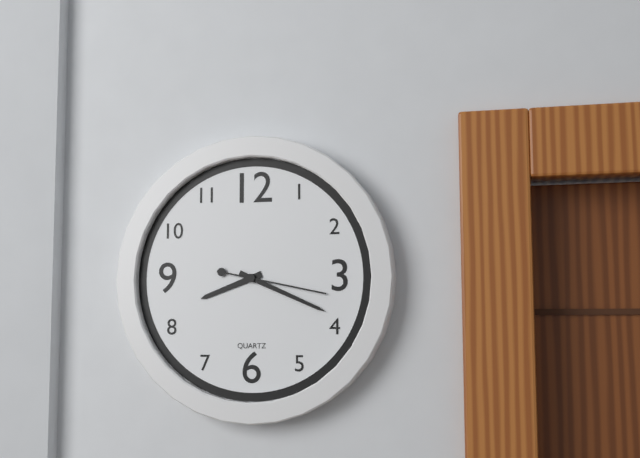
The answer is 8.19.17
